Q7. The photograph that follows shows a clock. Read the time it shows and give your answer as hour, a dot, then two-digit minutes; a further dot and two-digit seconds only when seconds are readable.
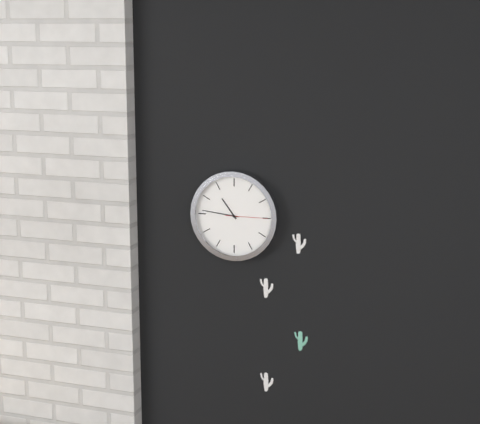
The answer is 10.46
